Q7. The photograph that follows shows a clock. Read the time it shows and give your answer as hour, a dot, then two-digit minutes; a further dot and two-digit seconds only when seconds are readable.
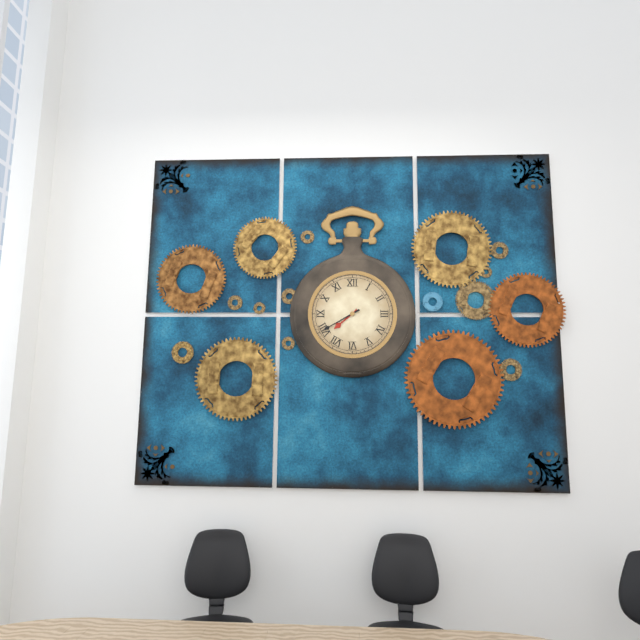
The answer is 7.40
